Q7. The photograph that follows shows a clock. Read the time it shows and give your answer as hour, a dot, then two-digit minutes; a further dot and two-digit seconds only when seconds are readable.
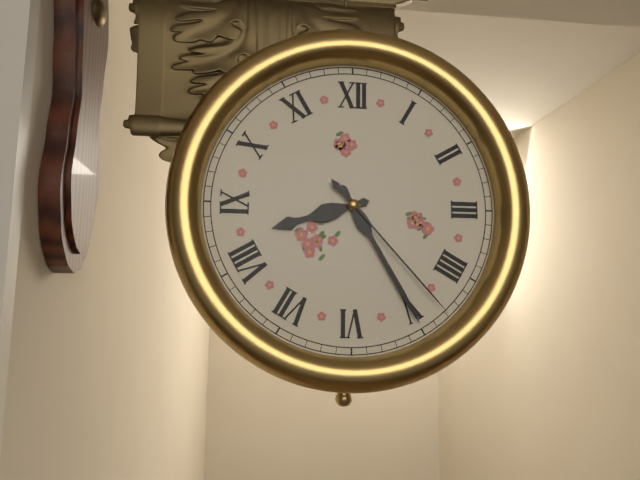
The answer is 8.25.23
